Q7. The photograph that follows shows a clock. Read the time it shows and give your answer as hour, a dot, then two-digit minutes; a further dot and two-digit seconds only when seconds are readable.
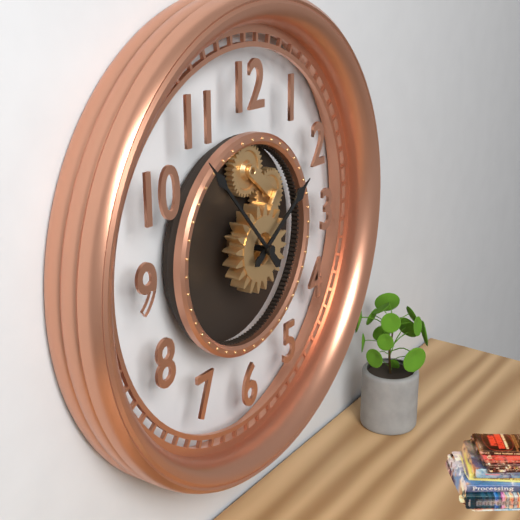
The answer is 1.53
